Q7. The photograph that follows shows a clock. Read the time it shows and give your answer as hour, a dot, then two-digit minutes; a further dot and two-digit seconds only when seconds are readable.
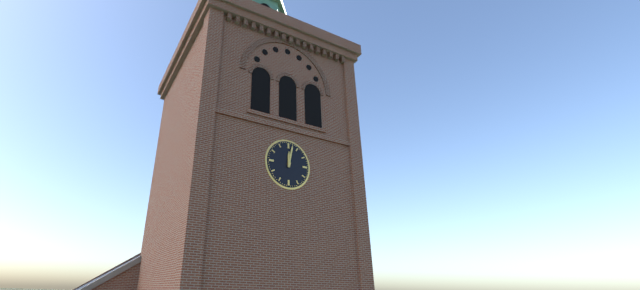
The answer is 12.02
